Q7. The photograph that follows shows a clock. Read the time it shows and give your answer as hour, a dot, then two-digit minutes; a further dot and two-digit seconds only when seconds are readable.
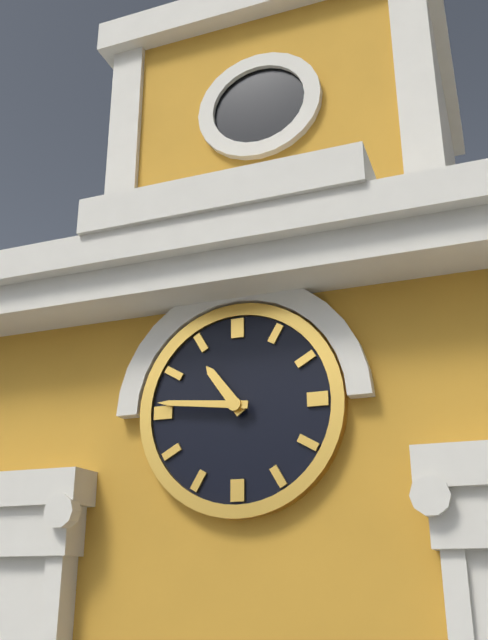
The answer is 10.46
